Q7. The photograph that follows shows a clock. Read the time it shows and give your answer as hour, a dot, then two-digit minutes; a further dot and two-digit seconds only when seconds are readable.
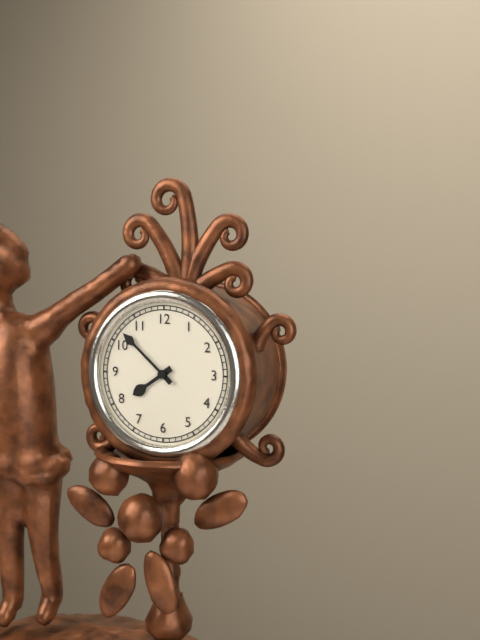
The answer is 7.52
